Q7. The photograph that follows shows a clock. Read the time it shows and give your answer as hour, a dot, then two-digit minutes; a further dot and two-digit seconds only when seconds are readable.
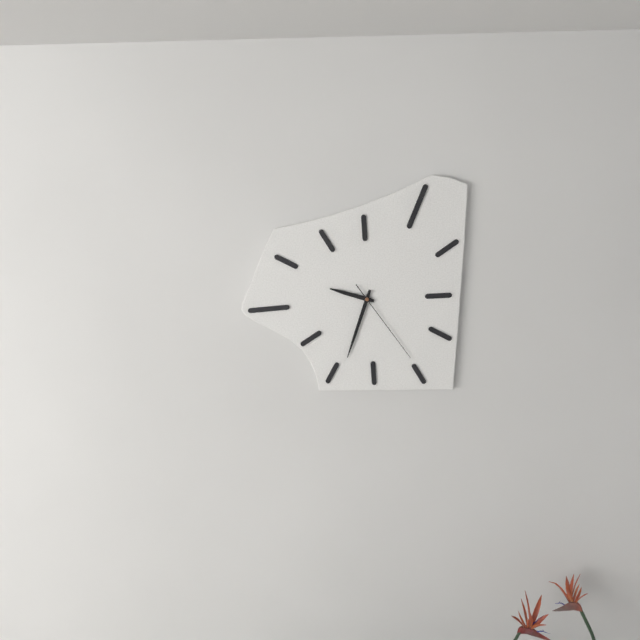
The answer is 9.33.24
